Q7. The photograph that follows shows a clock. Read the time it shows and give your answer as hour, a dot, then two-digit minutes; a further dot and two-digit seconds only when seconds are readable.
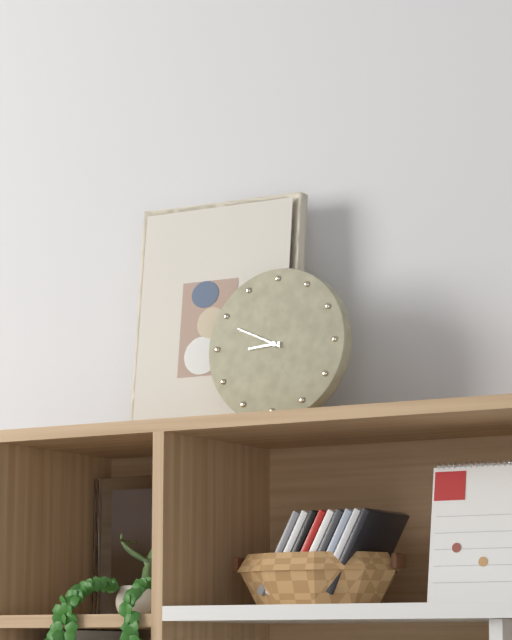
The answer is 8.49
